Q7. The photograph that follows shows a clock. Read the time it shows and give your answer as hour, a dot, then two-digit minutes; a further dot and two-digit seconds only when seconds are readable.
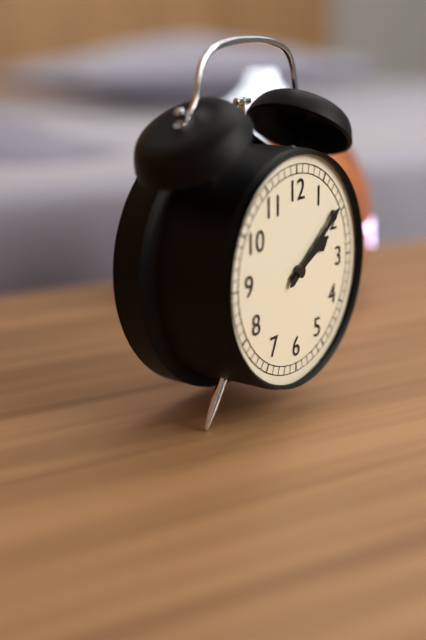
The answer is 2.09
